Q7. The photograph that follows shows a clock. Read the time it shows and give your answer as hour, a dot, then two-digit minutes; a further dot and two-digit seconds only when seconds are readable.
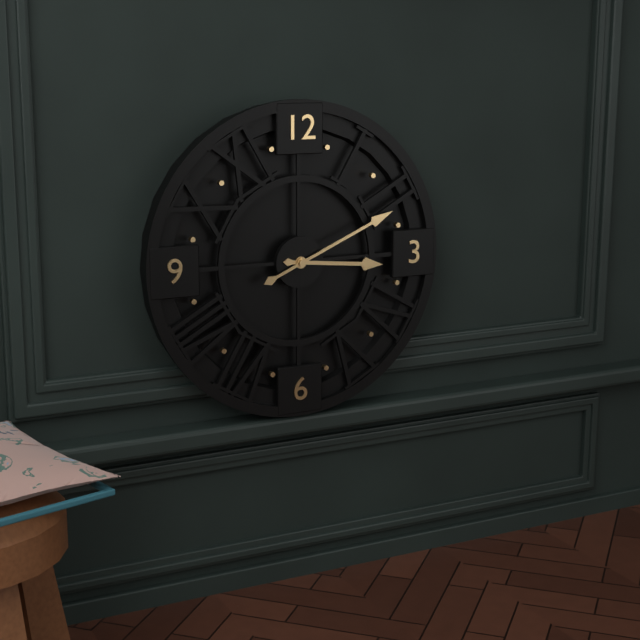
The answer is 3.11
